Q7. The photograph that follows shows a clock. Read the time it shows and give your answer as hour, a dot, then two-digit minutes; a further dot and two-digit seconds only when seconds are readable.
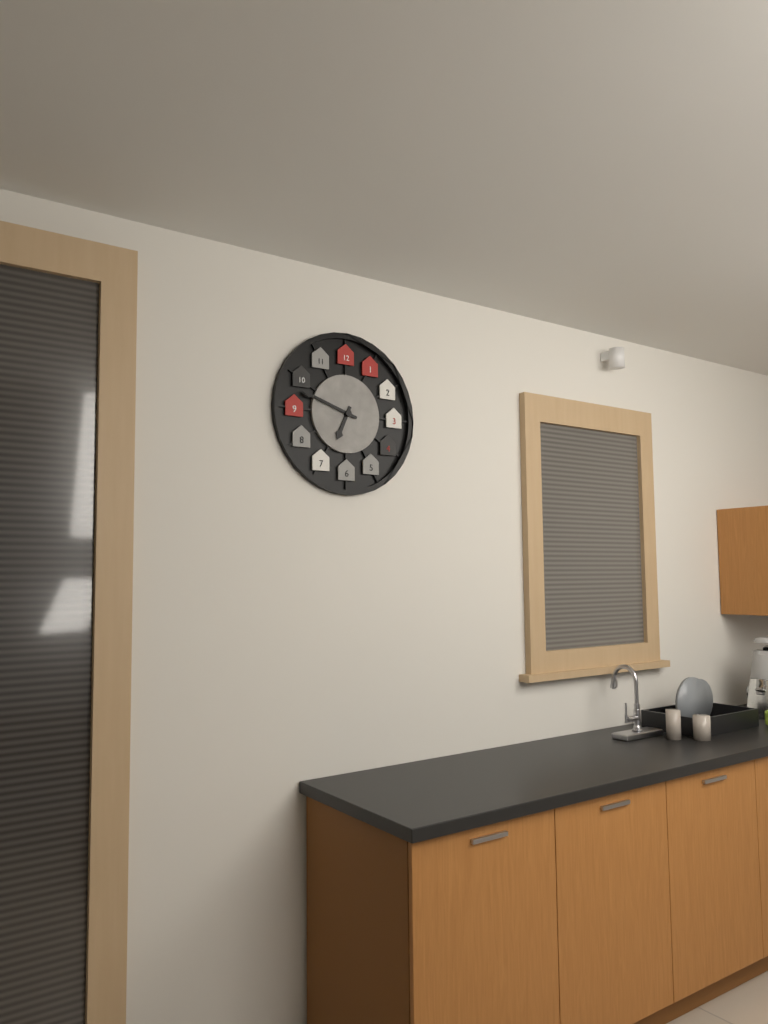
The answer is 6.48
